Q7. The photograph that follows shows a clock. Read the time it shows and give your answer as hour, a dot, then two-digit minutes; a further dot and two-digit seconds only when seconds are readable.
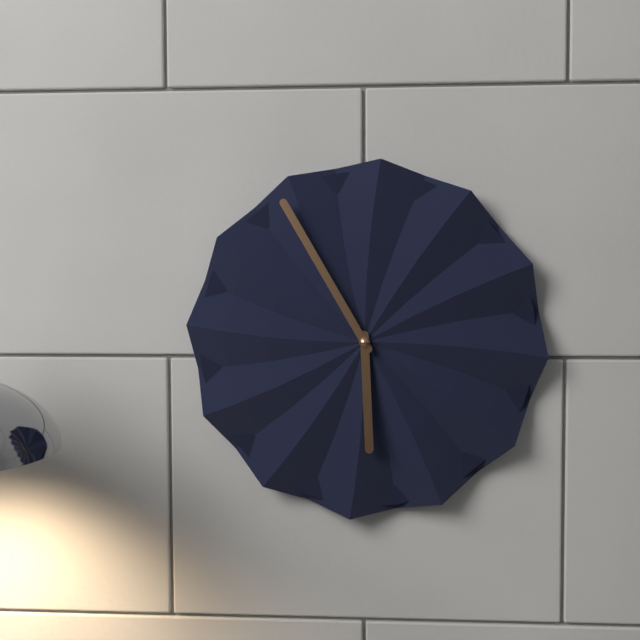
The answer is 5.55
